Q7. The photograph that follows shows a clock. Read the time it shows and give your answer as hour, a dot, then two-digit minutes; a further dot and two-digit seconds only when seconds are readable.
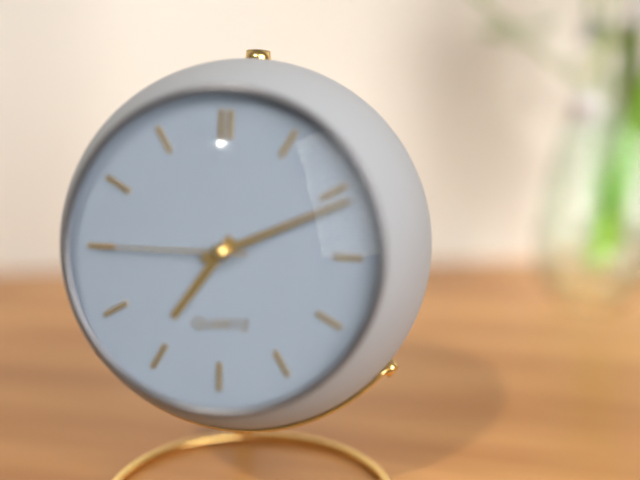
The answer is 7.11.45
